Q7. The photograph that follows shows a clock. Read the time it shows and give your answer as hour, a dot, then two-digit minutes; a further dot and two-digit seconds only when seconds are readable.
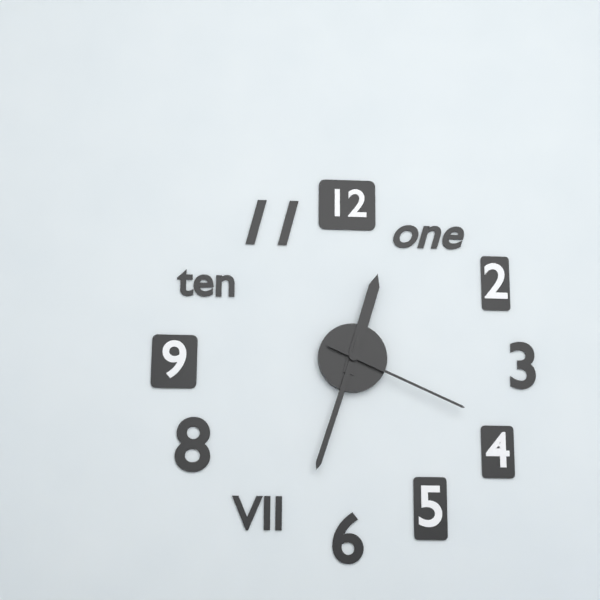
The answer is 12.33.19
